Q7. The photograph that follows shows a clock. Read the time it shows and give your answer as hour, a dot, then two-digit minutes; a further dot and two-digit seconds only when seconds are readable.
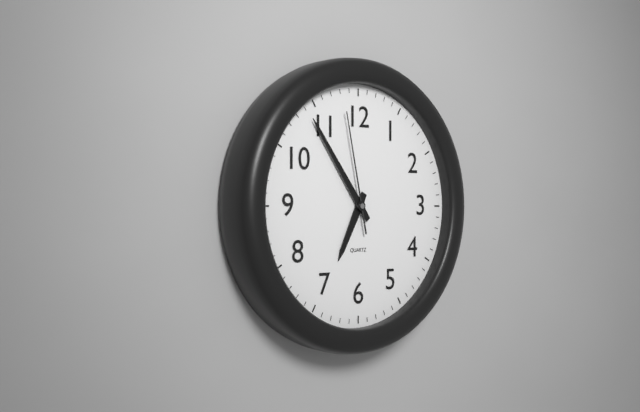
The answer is 6.54.58
